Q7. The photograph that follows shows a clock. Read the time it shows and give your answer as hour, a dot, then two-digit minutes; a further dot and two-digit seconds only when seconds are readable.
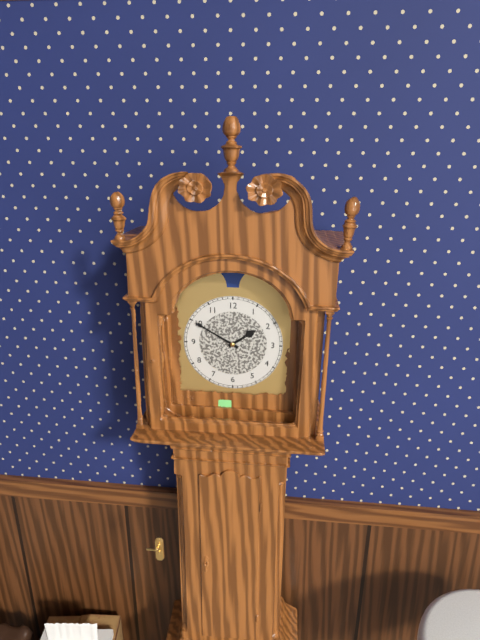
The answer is 1.50
